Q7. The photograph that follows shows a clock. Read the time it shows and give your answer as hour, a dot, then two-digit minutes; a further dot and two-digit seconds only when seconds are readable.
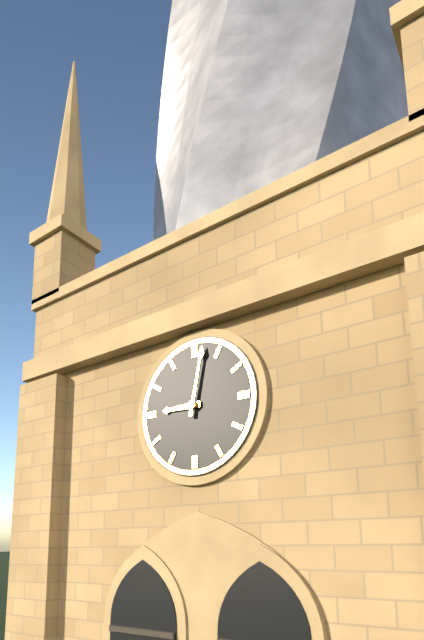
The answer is 9.02
